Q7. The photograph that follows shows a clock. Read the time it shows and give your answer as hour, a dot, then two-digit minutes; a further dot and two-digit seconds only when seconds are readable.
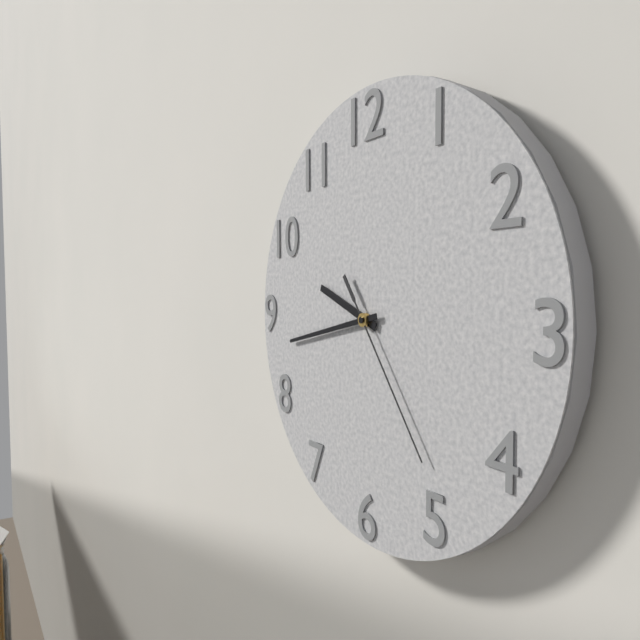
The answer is 9.43.24
